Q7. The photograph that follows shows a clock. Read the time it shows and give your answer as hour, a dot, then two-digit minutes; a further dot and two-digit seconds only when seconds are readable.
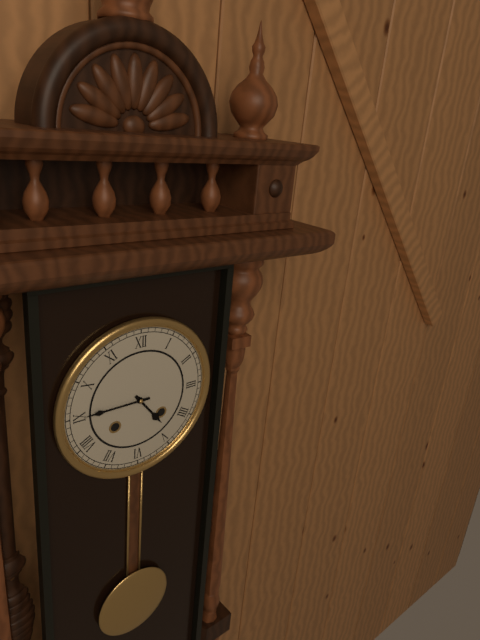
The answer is 4.45
